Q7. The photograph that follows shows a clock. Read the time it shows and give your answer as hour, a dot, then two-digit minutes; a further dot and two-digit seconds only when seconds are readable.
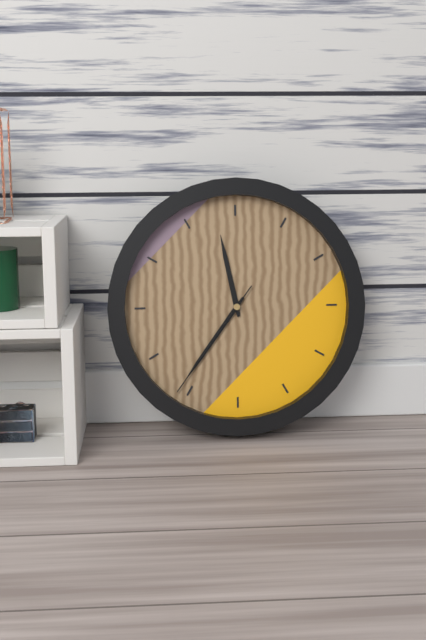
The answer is 11.36.36
